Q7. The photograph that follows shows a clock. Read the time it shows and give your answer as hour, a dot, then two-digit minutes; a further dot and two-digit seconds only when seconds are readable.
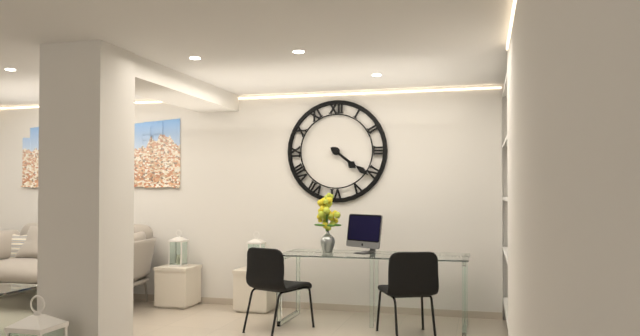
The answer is 4.21
